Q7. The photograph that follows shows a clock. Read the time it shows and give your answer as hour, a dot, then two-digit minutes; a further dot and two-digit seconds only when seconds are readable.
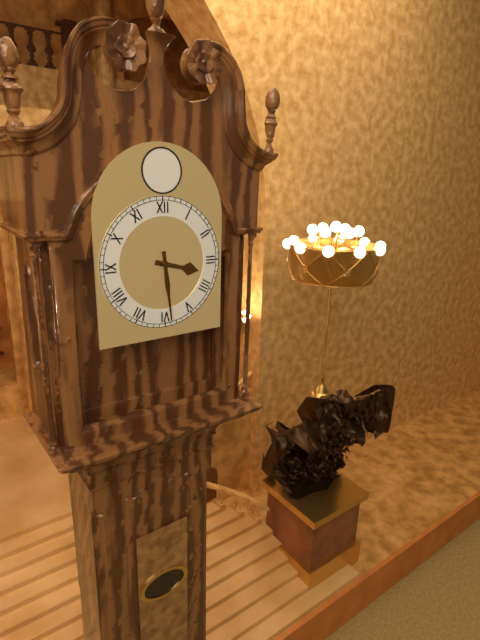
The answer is 3.29
